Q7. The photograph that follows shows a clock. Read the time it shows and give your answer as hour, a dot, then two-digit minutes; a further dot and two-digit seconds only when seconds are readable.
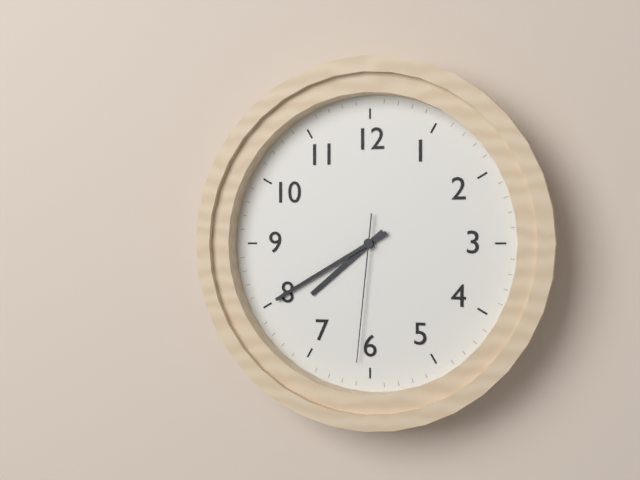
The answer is 7.40.31
